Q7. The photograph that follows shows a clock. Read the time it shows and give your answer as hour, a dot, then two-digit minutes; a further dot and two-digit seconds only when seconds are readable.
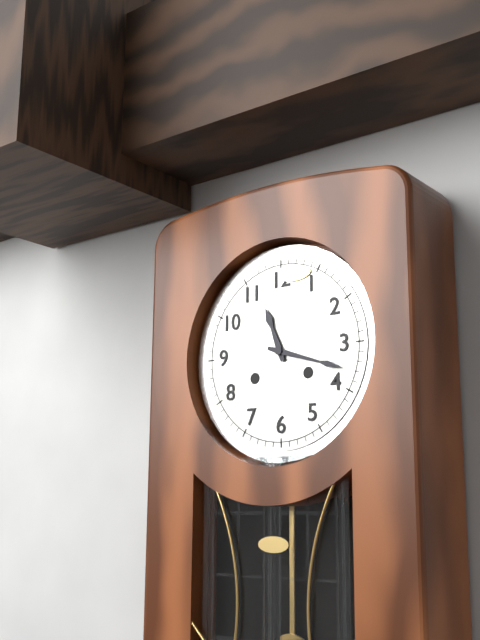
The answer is 11.18
